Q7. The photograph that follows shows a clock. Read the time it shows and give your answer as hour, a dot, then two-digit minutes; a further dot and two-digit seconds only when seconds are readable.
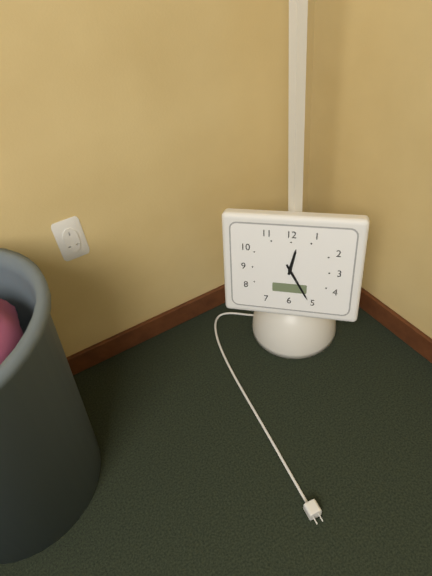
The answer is 12.25
